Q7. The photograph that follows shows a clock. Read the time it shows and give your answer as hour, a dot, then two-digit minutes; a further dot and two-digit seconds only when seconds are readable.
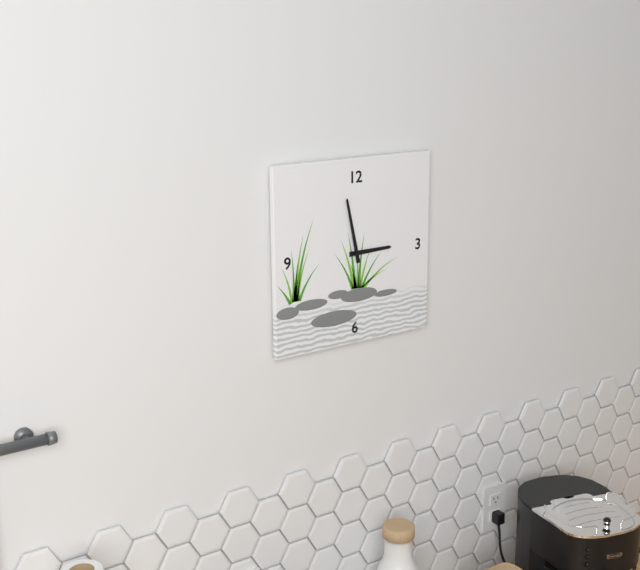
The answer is 2.58
